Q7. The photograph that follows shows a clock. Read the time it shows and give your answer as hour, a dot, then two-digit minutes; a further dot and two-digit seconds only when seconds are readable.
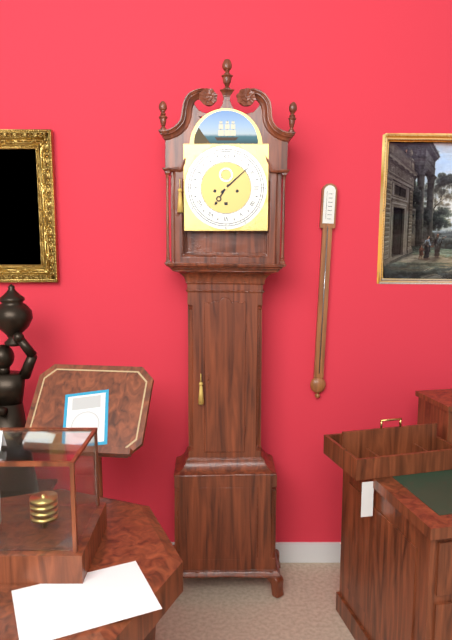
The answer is 7.08
